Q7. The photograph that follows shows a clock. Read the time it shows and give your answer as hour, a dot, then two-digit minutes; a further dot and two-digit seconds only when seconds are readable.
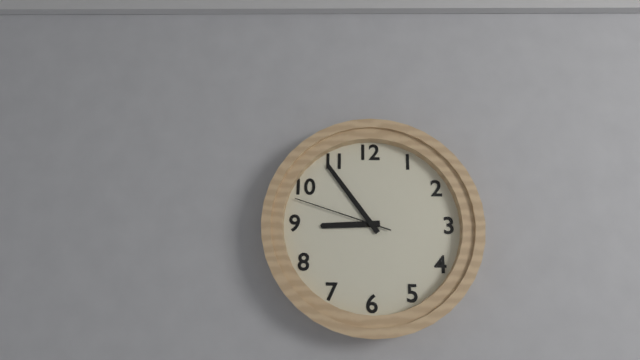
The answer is 8.54.48
